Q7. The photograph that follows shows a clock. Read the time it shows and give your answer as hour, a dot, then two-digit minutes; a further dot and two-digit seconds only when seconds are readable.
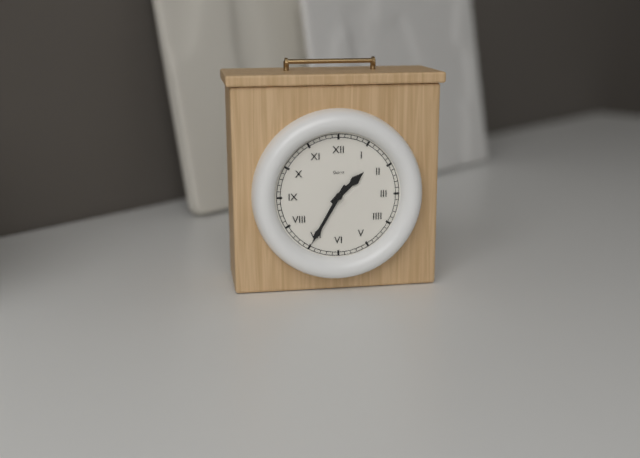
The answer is 1.35
